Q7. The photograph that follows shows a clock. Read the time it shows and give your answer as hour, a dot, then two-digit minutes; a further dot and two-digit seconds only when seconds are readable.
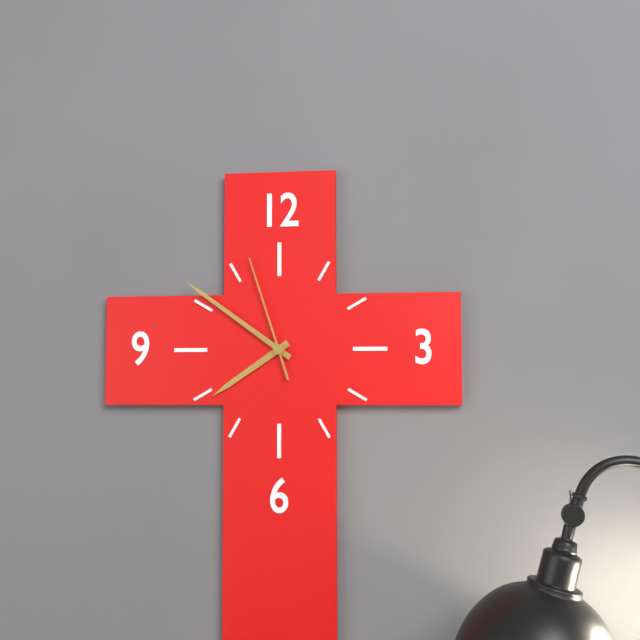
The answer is 7.51.57
